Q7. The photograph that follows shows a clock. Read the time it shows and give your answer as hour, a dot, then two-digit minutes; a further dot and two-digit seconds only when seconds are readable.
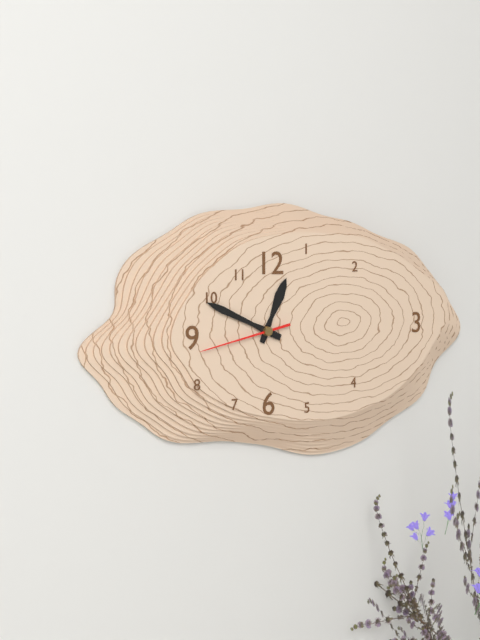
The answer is 12.49.43
